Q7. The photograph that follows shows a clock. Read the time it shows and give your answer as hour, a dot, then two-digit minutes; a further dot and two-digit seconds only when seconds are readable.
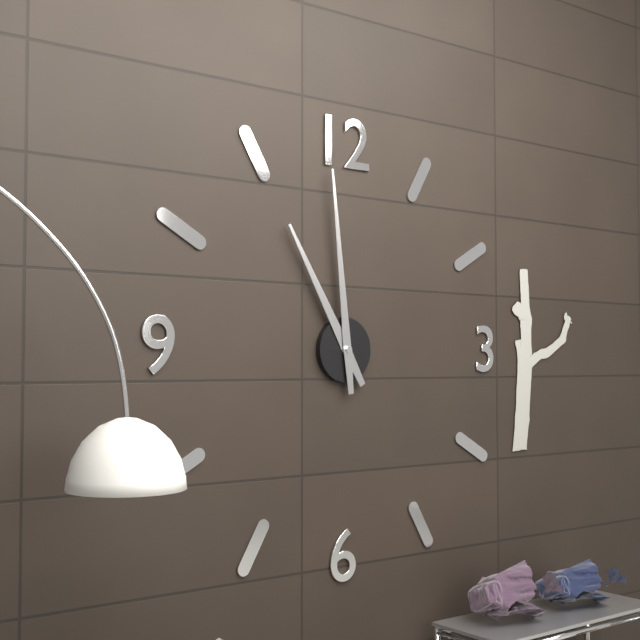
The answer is 10.59
